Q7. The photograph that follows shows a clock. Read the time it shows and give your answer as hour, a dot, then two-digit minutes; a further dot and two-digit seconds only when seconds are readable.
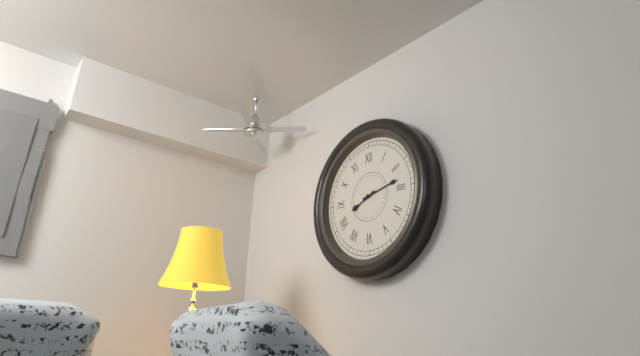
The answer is 8.13
